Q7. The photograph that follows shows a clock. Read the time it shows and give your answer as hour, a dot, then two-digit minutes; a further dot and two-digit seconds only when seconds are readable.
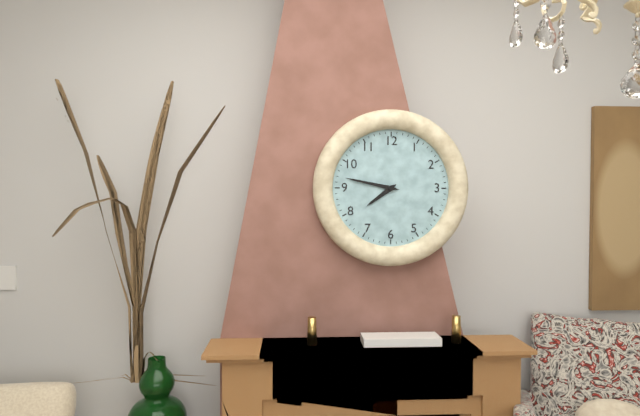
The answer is 7.47
